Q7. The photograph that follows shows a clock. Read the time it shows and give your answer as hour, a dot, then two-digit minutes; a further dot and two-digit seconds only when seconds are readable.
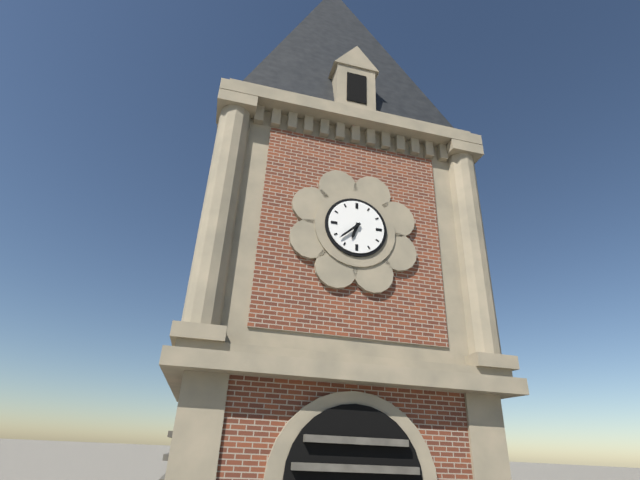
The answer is 6.38
